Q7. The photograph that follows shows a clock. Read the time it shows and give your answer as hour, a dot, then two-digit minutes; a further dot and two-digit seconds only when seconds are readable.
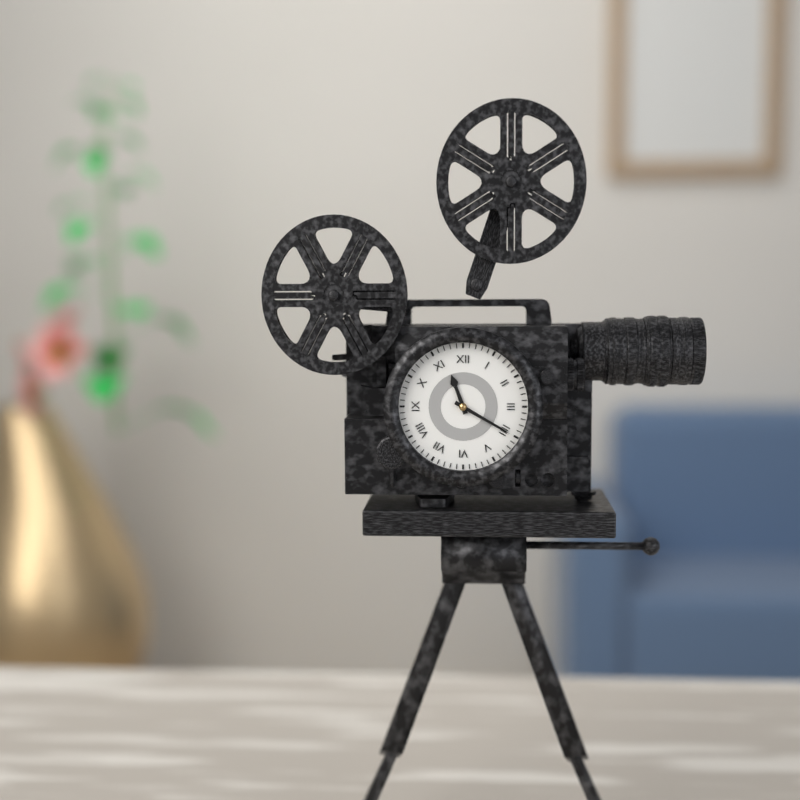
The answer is 11.20
